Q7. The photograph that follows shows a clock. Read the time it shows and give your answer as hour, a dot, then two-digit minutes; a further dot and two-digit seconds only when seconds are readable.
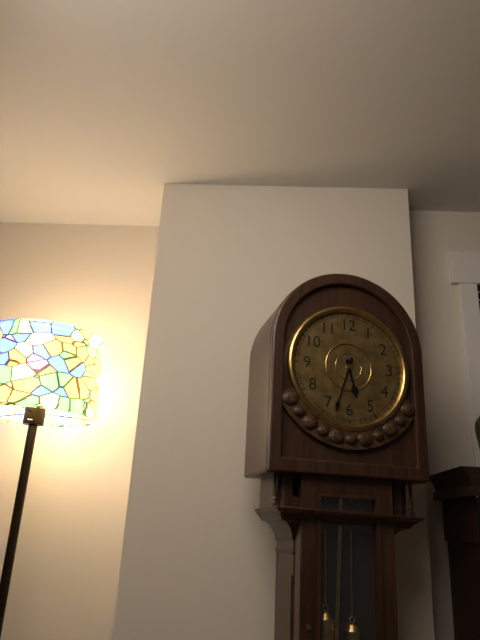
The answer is 5.33
